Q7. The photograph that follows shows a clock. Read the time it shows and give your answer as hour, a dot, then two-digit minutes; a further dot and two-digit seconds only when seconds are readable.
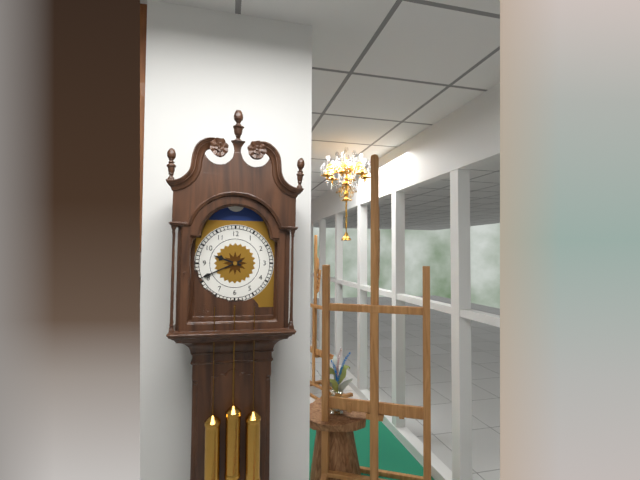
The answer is 9.41
